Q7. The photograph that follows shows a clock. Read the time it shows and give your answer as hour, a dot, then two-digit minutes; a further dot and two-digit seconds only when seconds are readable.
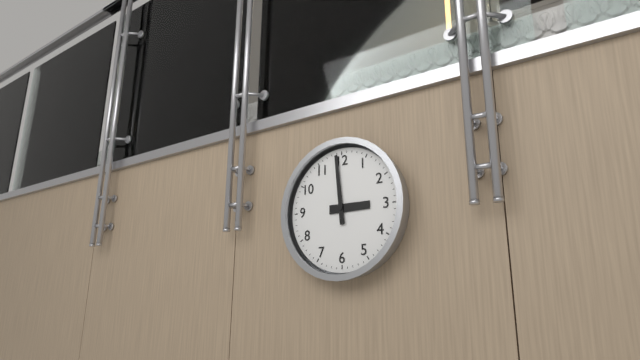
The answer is 2.59
